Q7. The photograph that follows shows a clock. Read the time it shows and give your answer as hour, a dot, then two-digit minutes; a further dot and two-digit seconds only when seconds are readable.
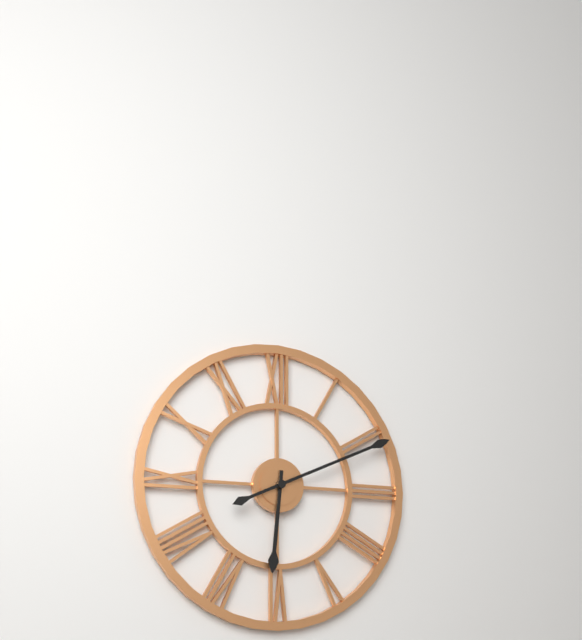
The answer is 6.11
